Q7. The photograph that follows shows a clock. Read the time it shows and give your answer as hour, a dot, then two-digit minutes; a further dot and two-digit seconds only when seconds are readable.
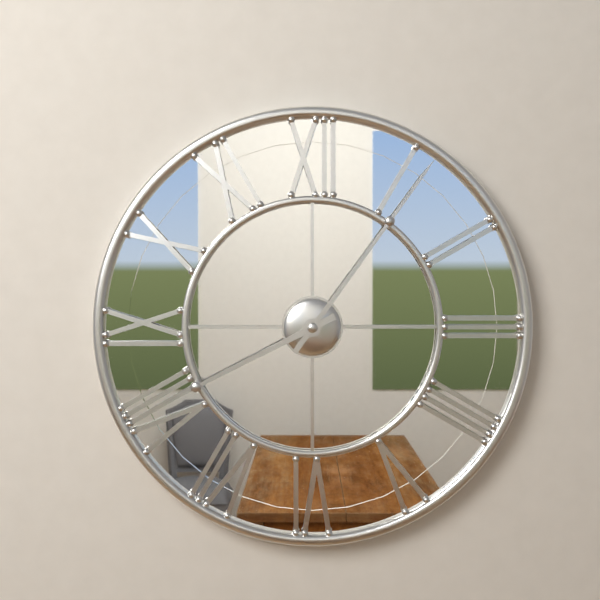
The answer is 8.06
